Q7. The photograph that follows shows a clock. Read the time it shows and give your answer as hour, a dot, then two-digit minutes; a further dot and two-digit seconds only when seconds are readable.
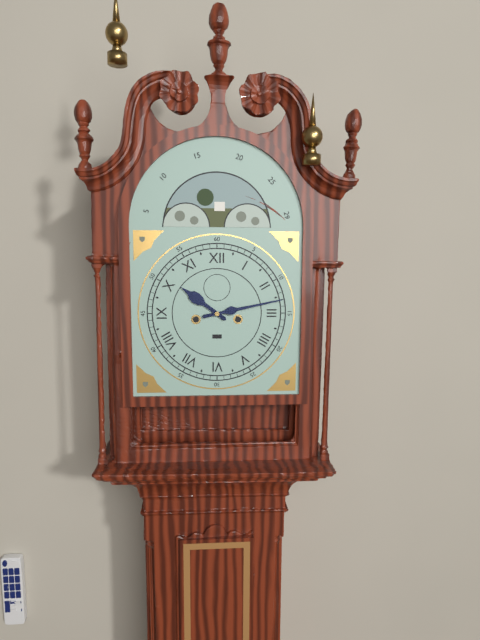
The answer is 10.13
